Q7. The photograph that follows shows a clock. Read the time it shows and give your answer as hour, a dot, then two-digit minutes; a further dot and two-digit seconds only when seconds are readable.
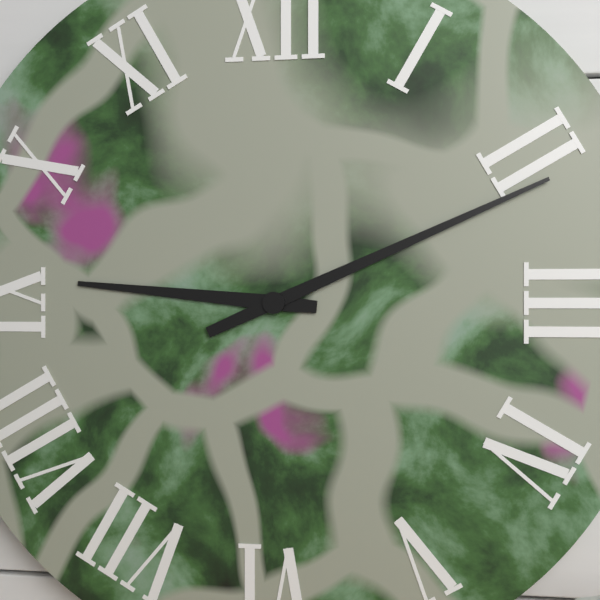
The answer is 9.11
